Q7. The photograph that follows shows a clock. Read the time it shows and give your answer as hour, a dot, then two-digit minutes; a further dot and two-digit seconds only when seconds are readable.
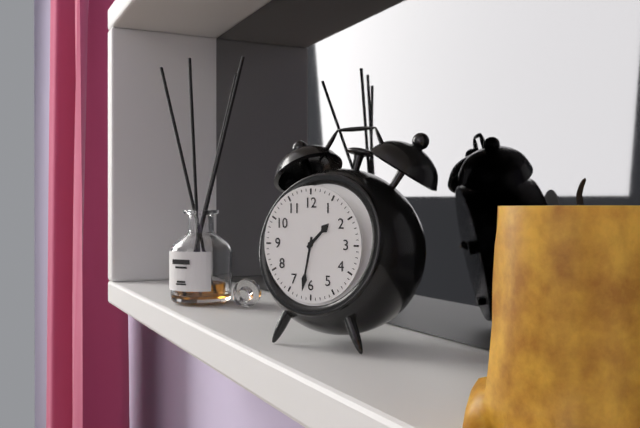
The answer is 1.32
